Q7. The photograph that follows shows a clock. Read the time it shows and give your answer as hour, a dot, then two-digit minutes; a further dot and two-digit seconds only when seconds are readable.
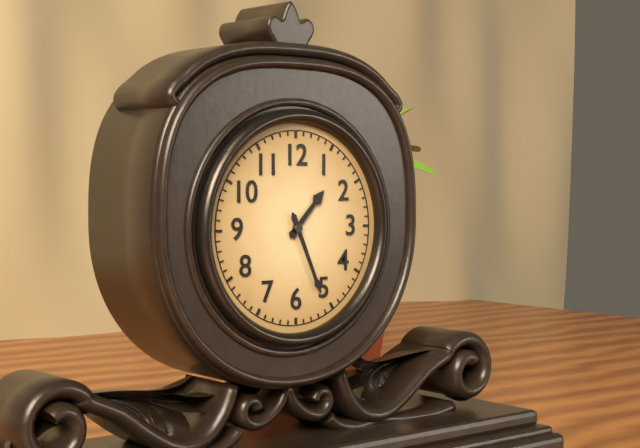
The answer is 1.26
